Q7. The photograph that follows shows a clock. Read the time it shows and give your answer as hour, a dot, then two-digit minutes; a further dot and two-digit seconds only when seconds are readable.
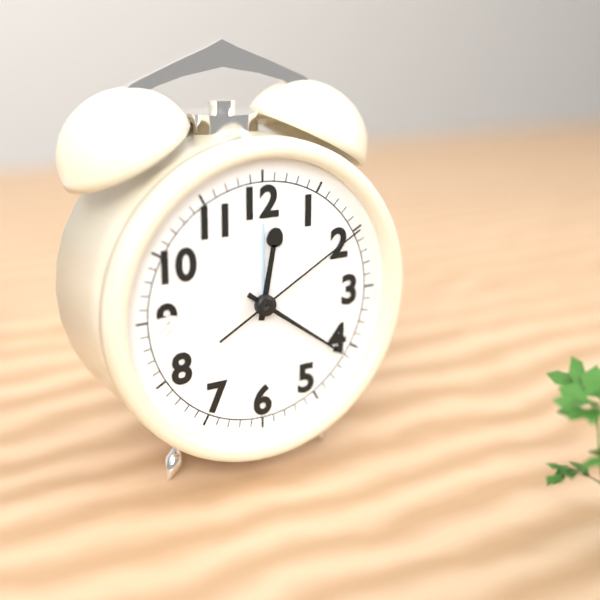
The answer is 12.21.10
